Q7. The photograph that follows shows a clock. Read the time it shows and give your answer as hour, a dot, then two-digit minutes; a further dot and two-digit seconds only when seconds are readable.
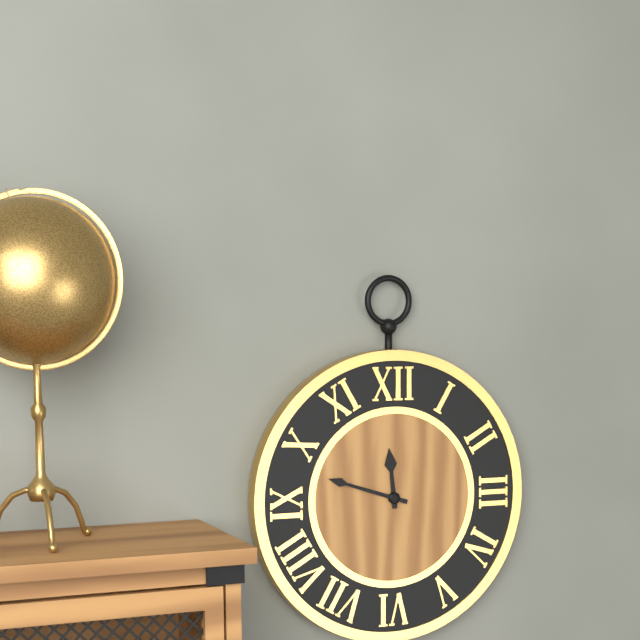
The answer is 11.48
